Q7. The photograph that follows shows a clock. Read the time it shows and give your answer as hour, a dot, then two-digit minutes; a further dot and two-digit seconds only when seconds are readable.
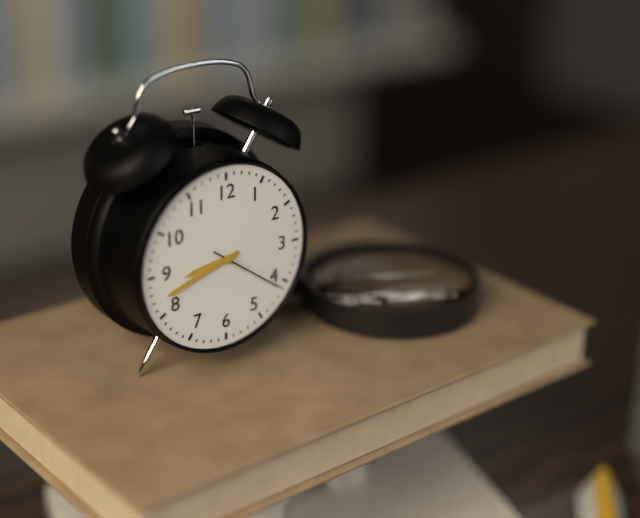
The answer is 8.42.21
